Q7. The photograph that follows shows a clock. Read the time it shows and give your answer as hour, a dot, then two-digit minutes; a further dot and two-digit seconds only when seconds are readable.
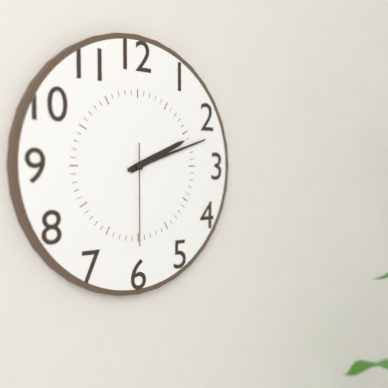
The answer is 2.12.30
